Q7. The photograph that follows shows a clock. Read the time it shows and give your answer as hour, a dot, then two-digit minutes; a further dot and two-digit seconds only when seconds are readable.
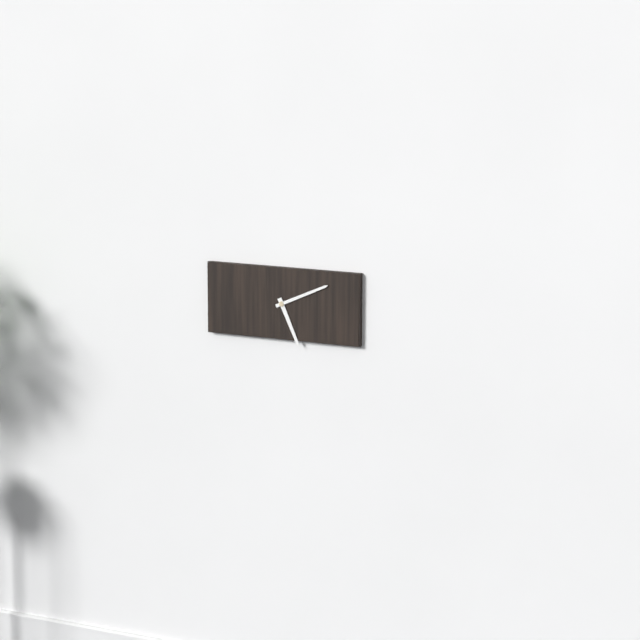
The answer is 5.11
